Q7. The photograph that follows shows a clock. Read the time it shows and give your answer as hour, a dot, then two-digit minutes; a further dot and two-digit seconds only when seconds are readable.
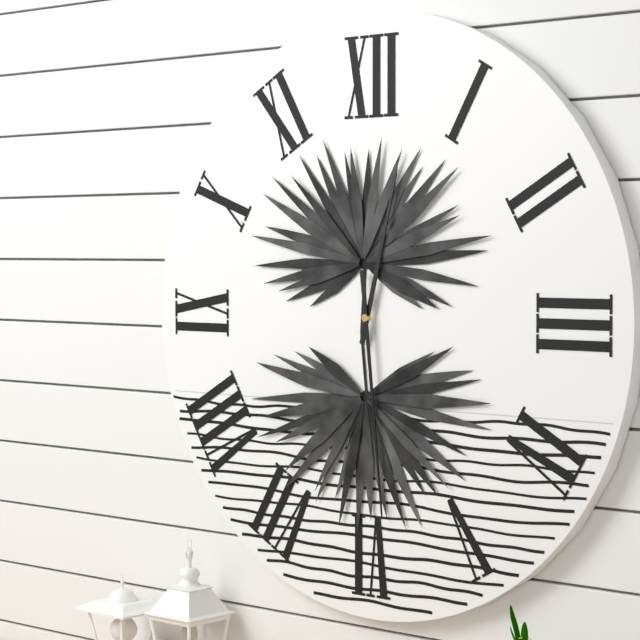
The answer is 12.29
